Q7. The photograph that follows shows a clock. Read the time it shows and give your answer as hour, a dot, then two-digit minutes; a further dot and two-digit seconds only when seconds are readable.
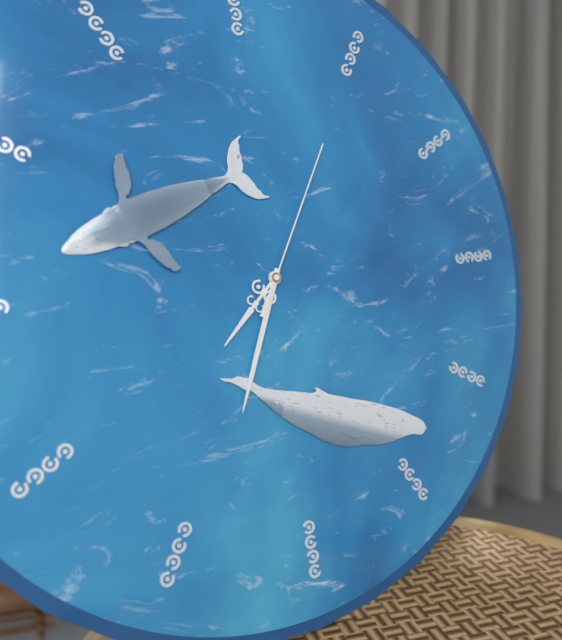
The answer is 7.34.05
